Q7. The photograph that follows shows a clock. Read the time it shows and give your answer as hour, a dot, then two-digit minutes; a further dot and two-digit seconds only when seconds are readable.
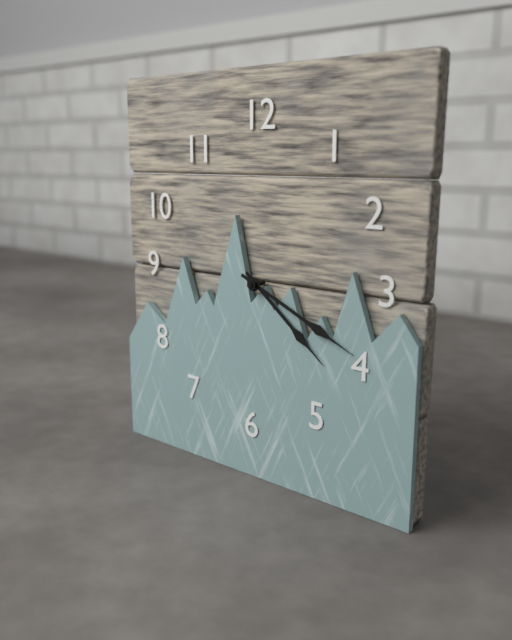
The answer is 4.19
